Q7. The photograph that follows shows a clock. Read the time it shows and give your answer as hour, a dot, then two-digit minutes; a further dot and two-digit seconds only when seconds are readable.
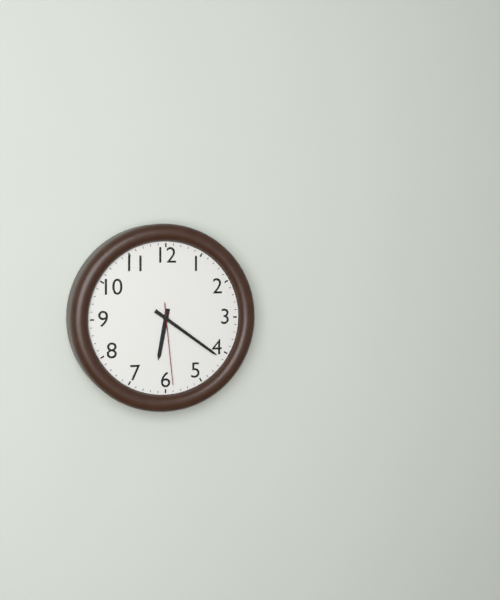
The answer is 6.21.29
